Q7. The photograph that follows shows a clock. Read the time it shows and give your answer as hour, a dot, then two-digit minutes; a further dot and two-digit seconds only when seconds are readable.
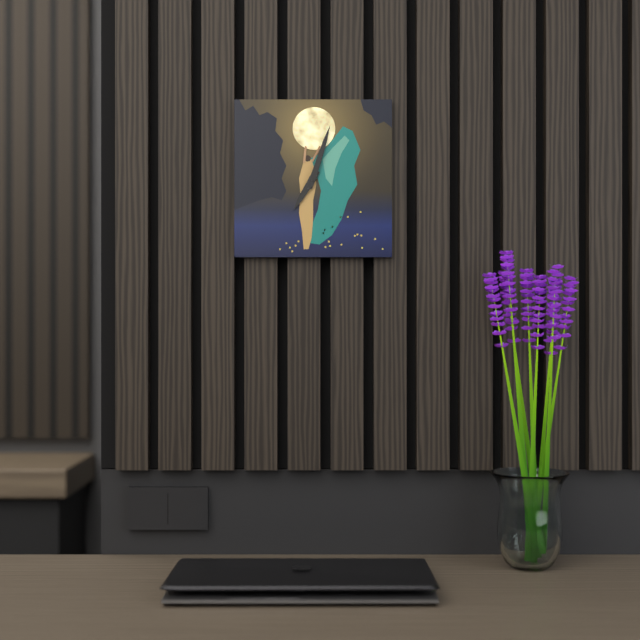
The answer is 7.03
